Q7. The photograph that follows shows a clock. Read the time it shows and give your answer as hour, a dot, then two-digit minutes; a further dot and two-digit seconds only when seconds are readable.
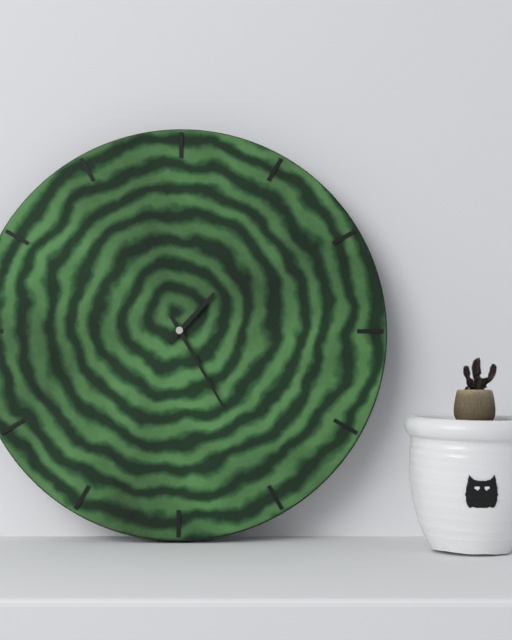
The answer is 1.25
